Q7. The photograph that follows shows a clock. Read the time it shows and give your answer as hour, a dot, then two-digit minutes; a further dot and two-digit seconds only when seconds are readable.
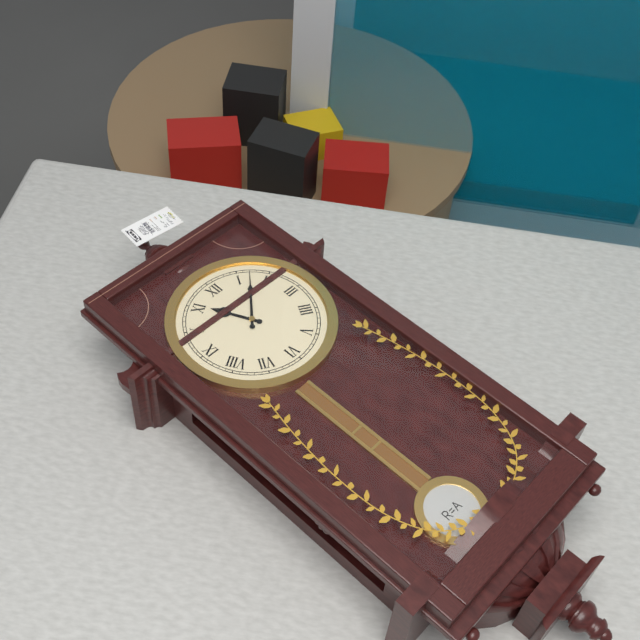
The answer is 11.07
